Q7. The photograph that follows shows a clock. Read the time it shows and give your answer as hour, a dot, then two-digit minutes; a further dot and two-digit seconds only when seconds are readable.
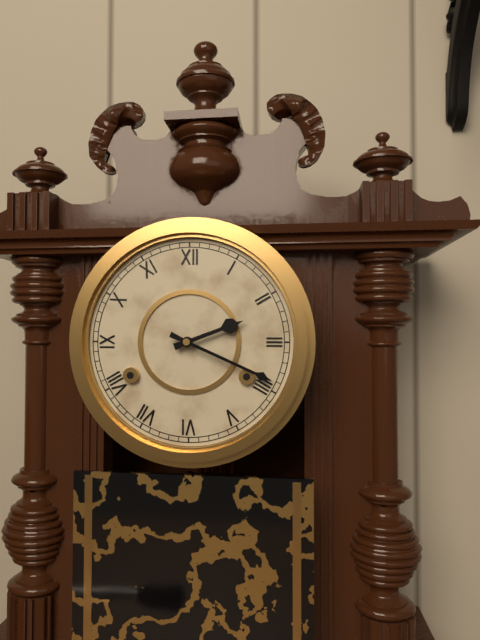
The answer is 2.19
